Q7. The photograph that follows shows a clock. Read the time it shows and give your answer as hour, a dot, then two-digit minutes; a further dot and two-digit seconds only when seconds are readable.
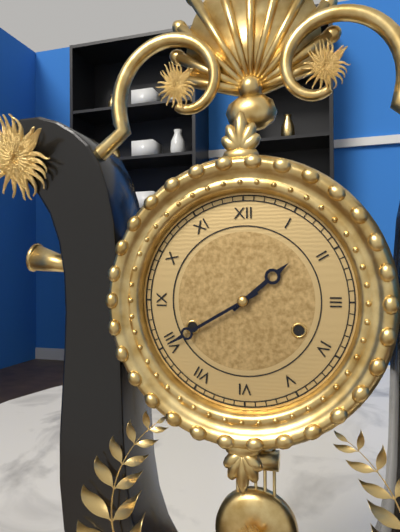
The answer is 1.40
